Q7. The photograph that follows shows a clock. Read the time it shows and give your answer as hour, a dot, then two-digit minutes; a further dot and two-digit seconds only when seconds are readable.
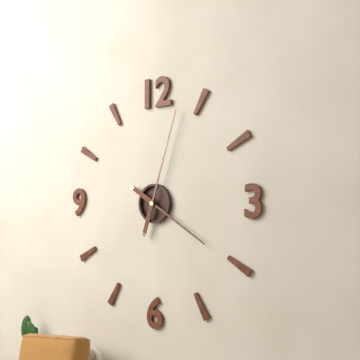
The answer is 4.03
